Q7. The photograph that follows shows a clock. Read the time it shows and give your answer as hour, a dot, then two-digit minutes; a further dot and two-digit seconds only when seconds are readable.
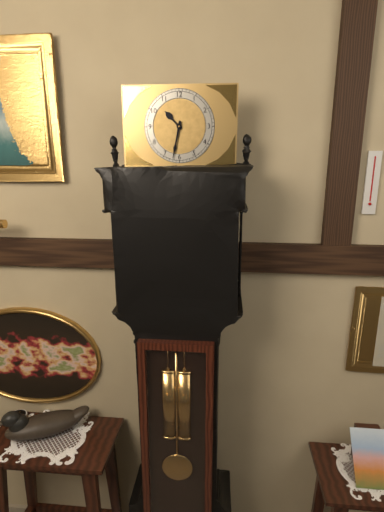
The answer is 10.32
